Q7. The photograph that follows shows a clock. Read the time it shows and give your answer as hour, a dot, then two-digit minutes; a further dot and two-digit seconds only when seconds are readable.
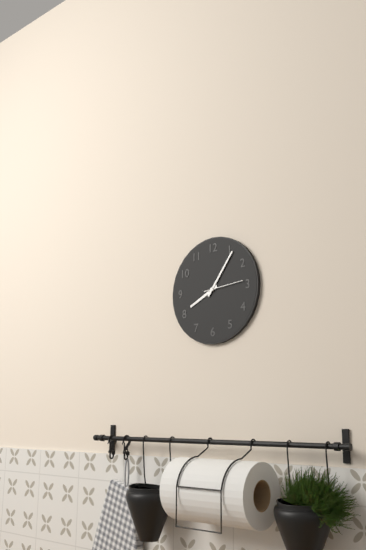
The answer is 8.06
